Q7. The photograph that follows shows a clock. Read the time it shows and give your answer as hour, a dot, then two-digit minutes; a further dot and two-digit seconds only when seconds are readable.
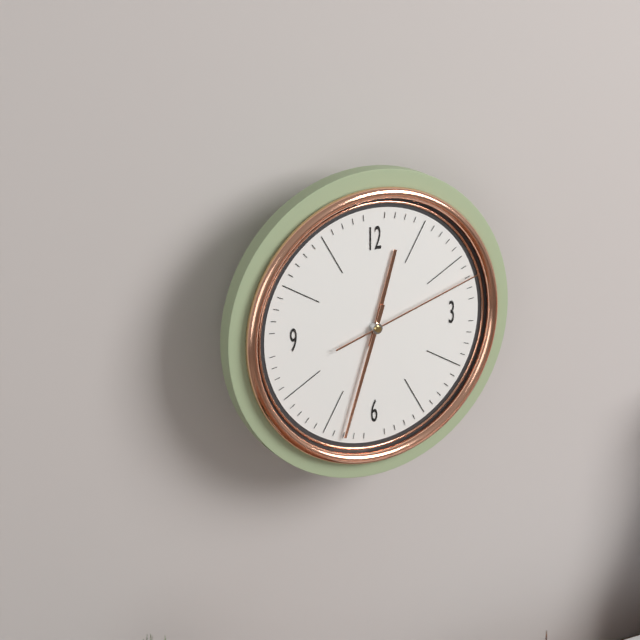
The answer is 12.33.12
